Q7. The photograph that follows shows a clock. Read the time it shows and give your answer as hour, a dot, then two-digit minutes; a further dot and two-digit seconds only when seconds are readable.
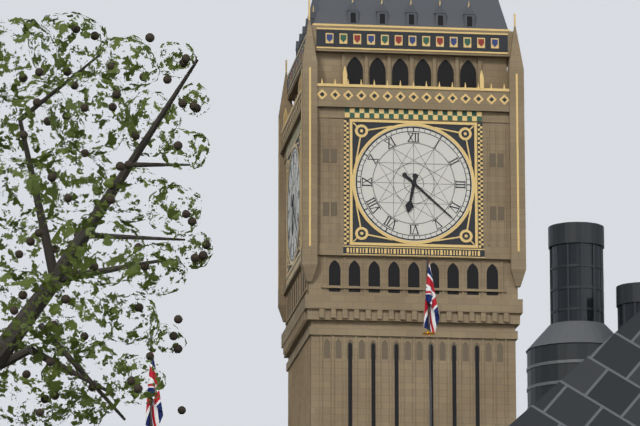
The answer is 6.22
